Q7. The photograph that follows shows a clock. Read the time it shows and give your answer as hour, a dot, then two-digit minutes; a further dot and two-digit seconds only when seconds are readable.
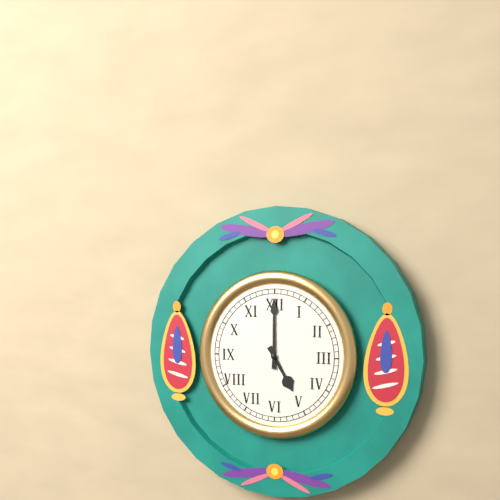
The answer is 5.00
